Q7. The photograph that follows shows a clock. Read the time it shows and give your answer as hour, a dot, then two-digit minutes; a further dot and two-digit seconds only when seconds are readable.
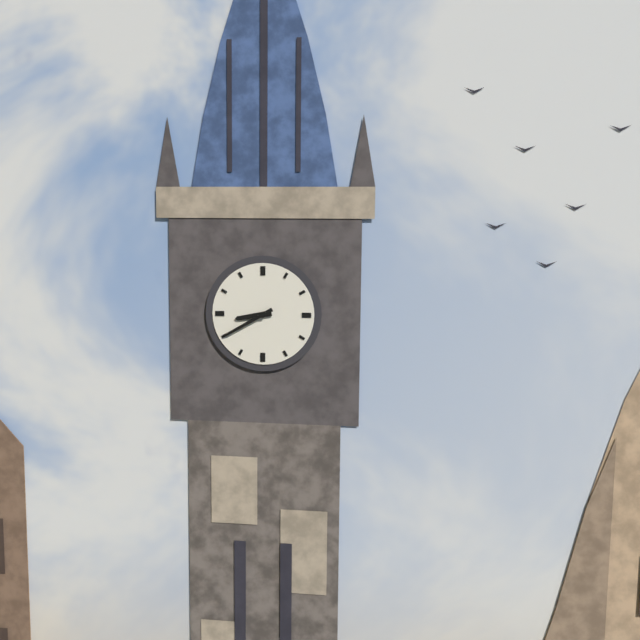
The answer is 8.40
